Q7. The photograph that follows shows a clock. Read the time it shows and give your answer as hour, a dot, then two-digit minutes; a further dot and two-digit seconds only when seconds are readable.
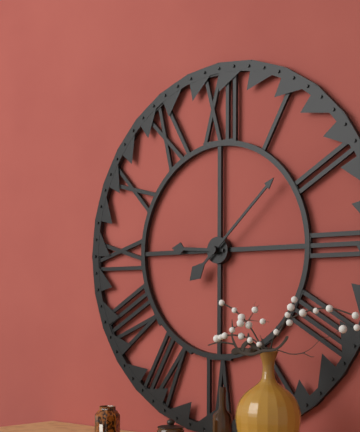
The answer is 9.08
